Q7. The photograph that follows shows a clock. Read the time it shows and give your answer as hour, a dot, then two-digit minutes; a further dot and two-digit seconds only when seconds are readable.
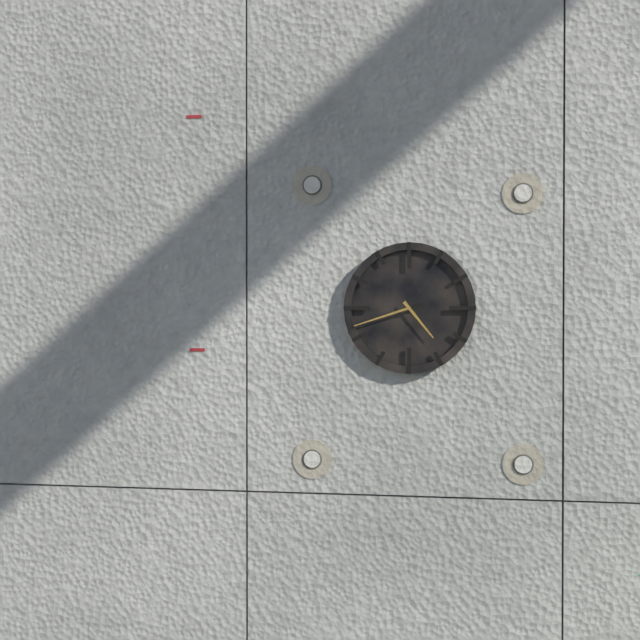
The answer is 4.42
